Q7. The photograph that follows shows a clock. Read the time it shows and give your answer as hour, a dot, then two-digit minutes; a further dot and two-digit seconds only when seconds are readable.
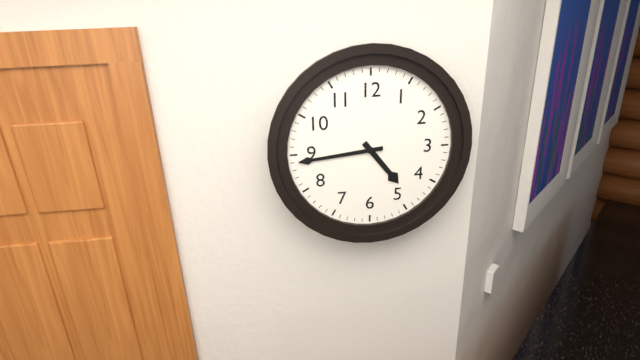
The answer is 4.44
